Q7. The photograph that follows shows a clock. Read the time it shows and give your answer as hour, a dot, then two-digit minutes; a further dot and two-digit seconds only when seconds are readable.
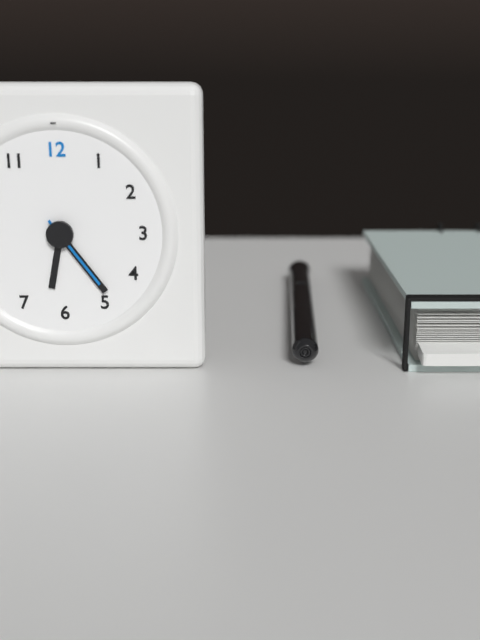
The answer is 6.24.24
